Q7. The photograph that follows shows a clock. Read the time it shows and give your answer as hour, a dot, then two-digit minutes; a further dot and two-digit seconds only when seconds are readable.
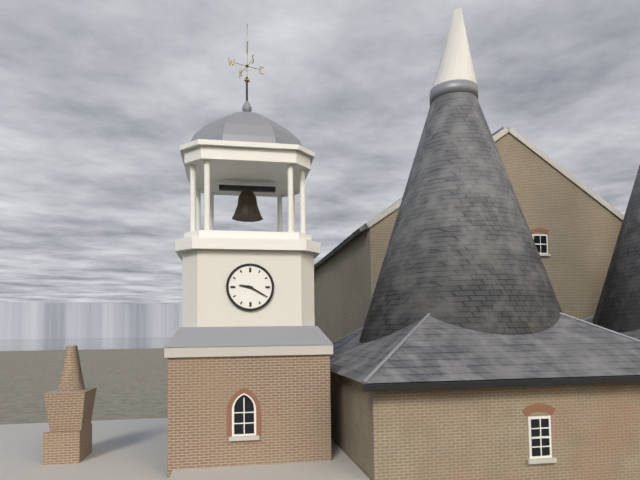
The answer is 9.20
